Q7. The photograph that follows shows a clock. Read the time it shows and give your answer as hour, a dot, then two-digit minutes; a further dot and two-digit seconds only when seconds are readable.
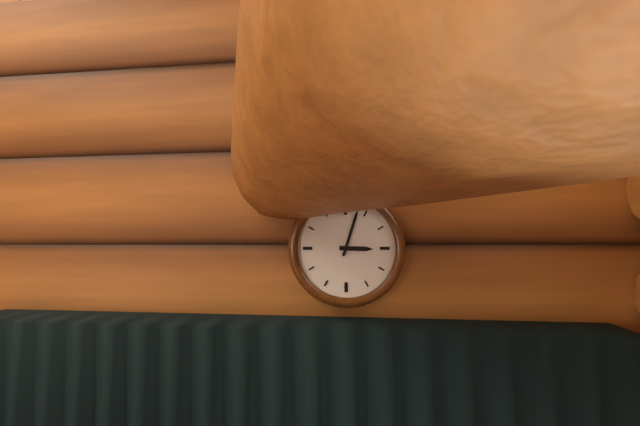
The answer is 3.03
